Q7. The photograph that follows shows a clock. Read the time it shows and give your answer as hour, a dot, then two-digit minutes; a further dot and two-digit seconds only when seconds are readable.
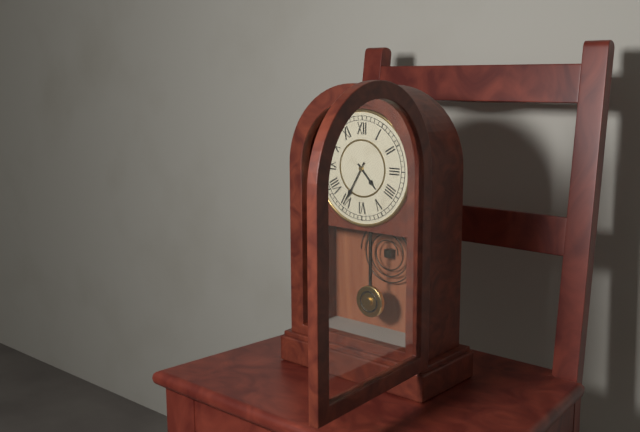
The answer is 4.35
